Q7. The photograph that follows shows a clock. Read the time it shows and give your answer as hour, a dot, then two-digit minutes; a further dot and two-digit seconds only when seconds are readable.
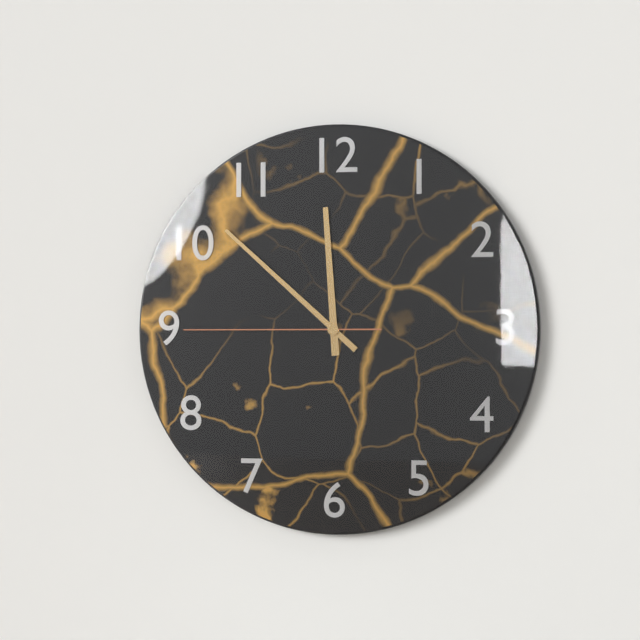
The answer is 11.52.45
